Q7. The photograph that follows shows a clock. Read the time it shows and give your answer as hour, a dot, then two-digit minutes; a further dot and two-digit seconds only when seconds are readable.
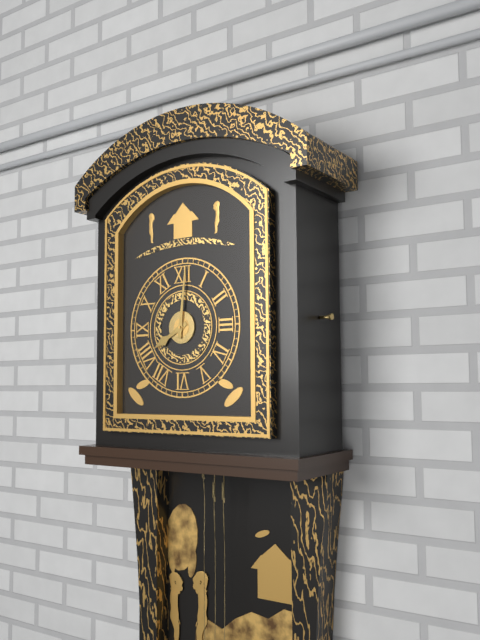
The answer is 8.01
